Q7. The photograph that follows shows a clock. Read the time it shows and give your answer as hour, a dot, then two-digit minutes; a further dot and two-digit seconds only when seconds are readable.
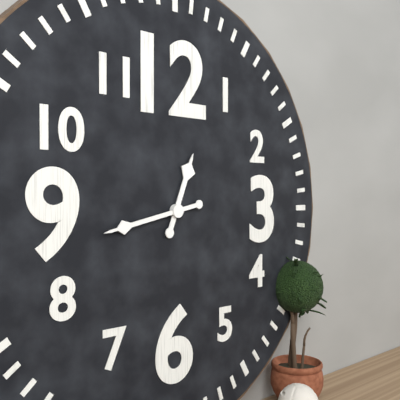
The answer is 12.43
